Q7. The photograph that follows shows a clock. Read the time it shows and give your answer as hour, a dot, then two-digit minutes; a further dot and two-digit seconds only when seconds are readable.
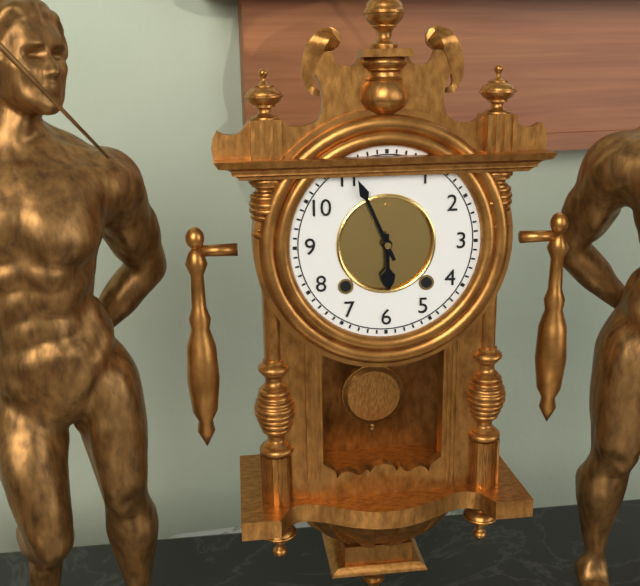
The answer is 5.56
